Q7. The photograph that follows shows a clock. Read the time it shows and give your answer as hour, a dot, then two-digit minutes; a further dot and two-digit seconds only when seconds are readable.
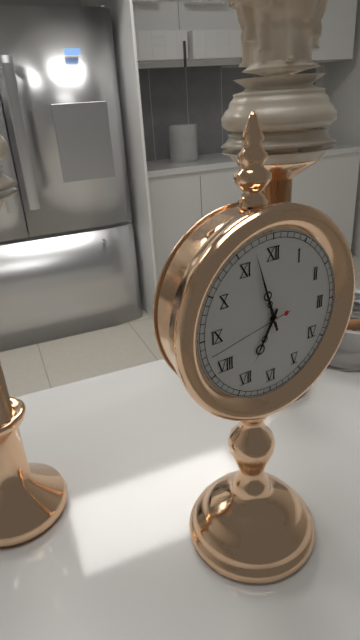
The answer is 6.57.43
